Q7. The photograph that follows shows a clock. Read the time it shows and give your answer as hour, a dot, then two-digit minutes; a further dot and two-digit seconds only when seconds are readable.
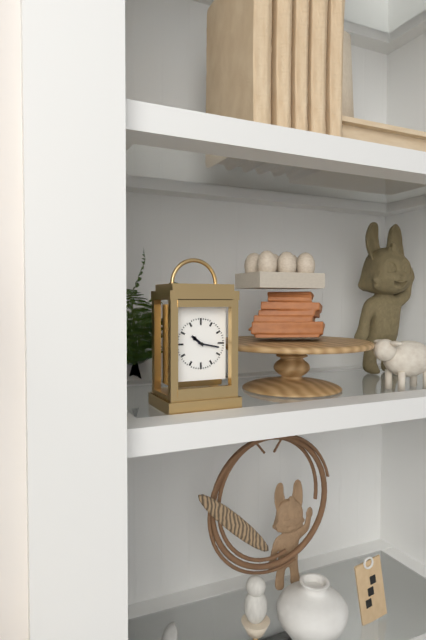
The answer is 10.17
